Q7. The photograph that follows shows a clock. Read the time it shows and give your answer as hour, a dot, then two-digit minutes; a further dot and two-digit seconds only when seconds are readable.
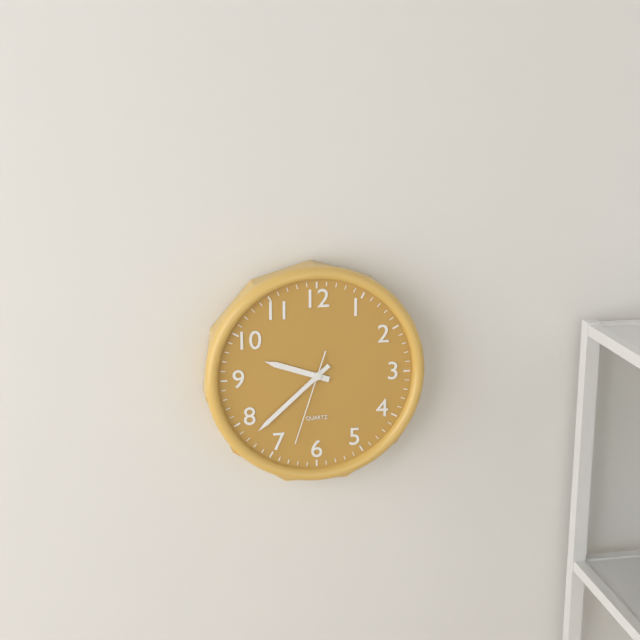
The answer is 9.38.33
